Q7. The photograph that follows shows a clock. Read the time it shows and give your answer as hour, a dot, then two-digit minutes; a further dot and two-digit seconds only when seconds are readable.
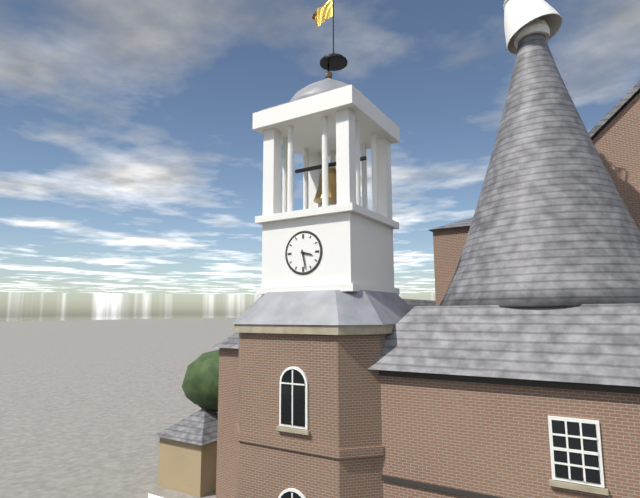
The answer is 3.28
